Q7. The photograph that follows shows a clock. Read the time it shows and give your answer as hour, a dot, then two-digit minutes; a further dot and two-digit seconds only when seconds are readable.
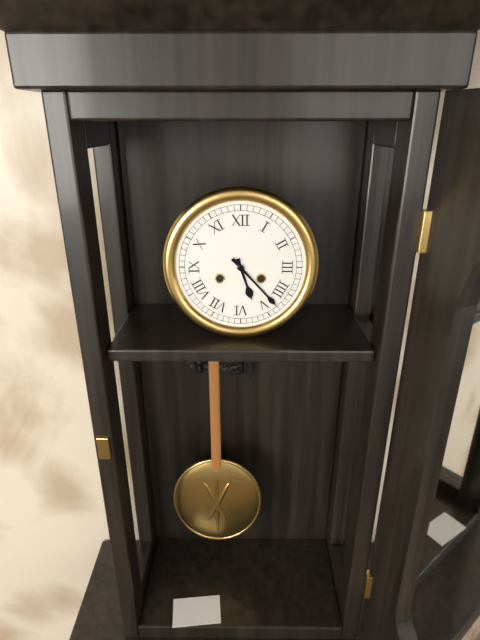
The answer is 5.23
